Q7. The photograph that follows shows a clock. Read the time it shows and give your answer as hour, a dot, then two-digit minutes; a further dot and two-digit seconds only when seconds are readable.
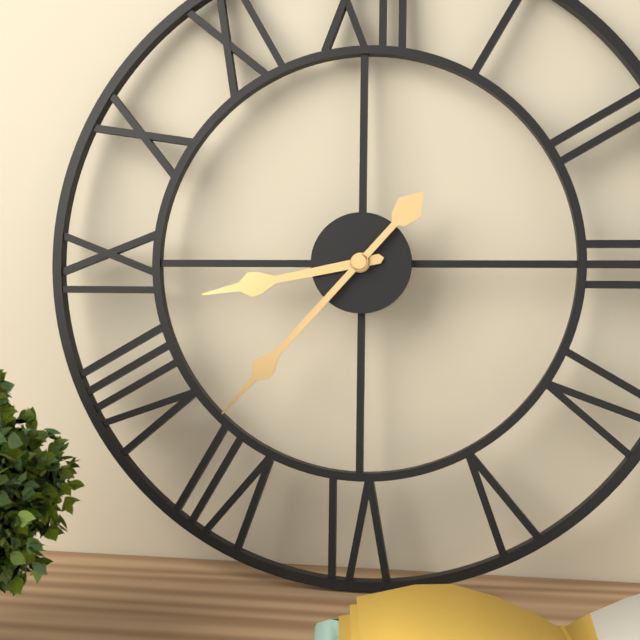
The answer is 8.37
